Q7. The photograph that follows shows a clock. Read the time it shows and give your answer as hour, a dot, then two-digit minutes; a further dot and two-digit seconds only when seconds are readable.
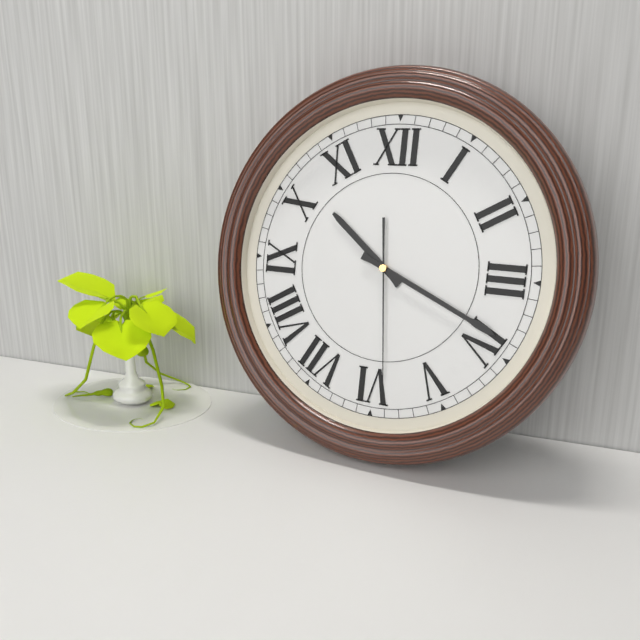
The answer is 10.19.29
